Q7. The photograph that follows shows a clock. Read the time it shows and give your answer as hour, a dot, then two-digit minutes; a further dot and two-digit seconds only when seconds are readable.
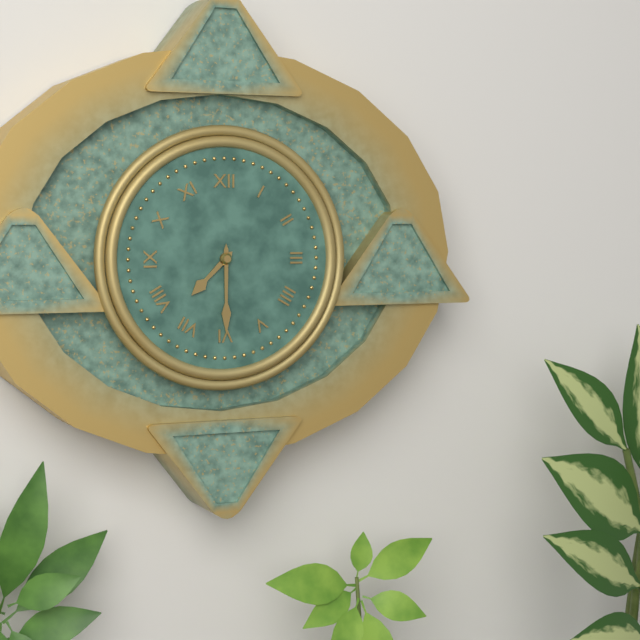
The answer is 7.30
